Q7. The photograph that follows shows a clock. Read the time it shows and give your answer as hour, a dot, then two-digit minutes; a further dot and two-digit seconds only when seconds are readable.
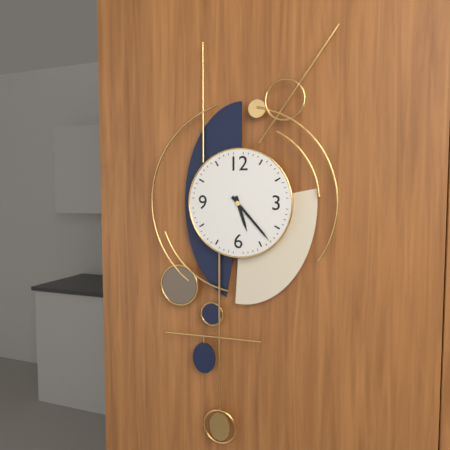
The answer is 5.23
